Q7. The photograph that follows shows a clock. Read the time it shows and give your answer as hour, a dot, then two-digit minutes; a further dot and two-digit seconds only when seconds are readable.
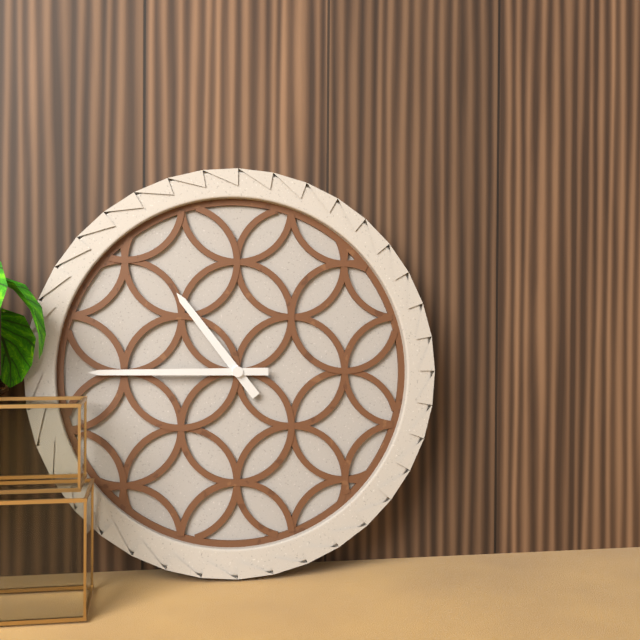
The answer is 10.45
